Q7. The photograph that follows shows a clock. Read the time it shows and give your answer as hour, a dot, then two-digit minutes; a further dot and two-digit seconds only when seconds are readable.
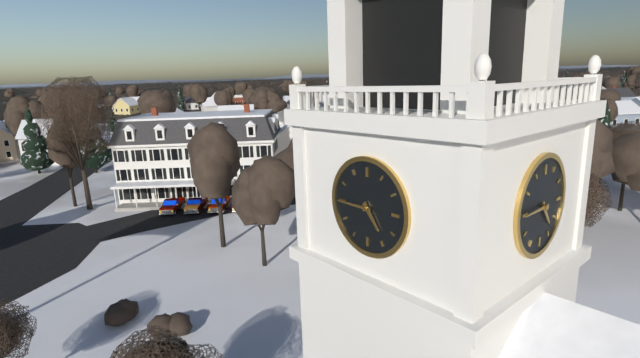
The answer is 4.45
